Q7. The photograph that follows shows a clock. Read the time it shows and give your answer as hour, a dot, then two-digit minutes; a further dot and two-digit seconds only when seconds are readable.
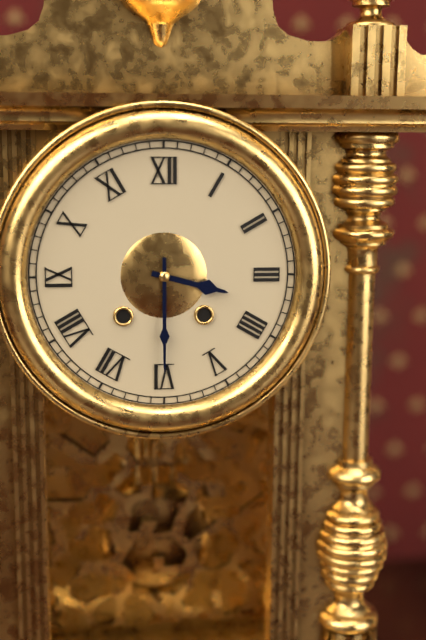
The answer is 3.30
